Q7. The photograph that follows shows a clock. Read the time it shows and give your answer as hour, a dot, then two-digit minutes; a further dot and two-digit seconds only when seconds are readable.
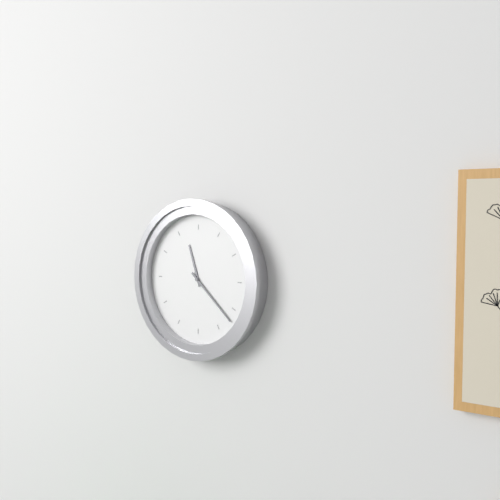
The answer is 11.22
